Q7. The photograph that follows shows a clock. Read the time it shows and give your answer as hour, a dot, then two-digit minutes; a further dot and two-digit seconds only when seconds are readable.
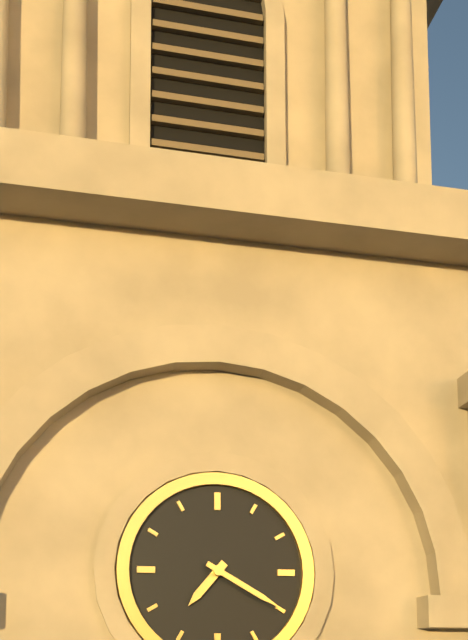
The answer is 7.20
